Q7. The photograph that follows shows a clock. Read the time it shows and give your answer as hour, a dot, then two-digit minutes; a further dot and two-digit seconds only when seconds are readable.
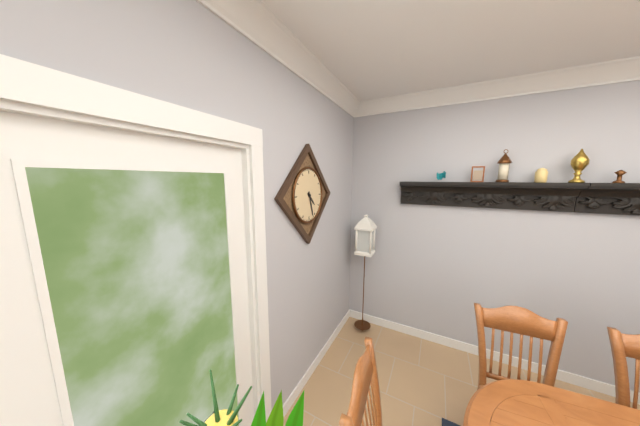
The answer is 4.27
